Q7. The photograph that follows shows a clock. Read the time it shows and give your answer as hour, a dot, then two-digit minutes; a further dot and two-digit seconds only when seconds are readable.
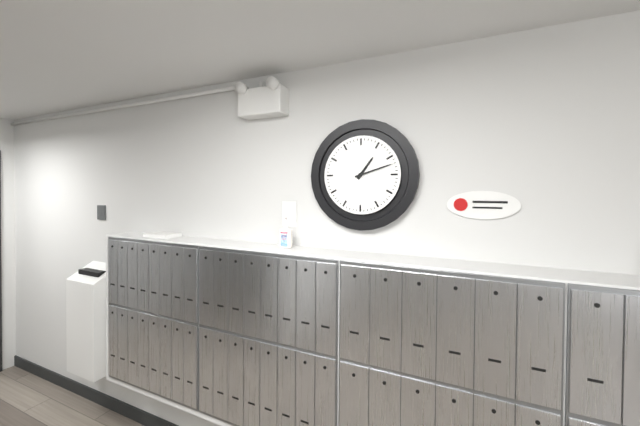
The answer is 1.12
